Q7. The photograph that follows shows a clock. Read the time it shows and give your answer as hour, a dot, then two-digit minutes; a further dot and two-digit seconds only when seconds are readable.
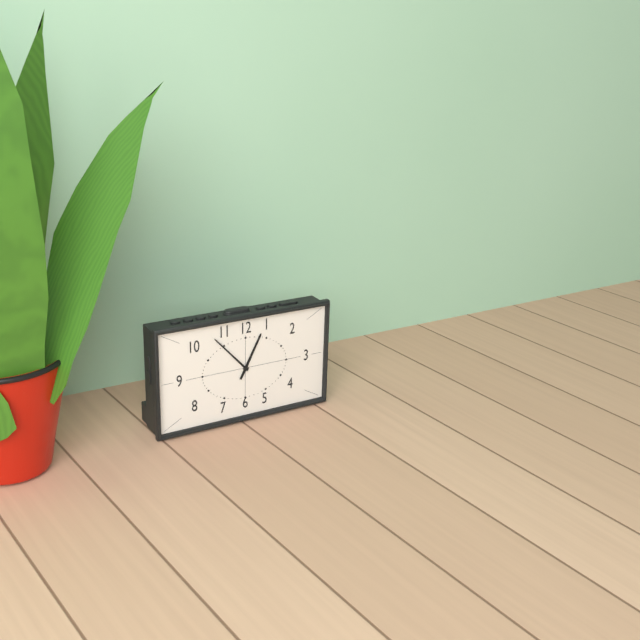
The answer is 12.53
